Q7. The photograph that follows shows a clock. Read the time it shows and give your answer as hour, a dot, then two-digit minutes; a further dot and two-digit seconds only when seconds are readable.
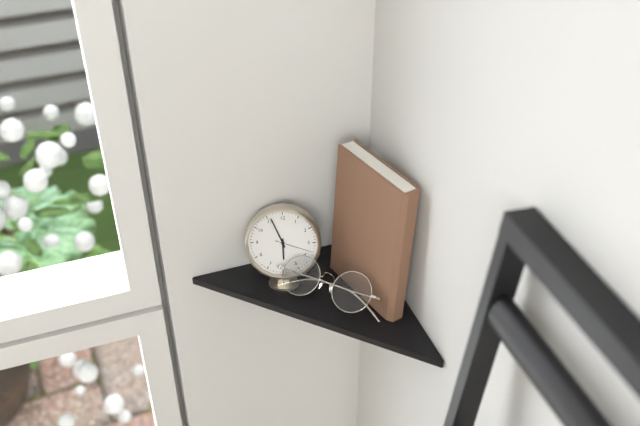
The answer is 5.56
